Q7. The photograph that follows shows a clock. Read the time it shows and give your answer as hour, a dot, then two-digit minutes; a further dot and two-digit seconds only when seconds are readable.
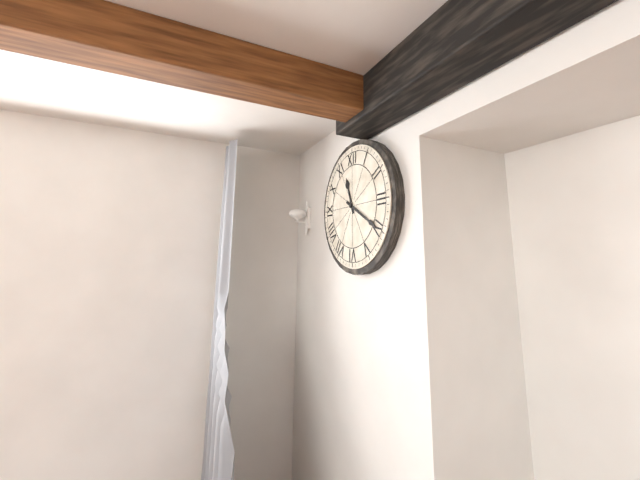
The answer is 11.20
